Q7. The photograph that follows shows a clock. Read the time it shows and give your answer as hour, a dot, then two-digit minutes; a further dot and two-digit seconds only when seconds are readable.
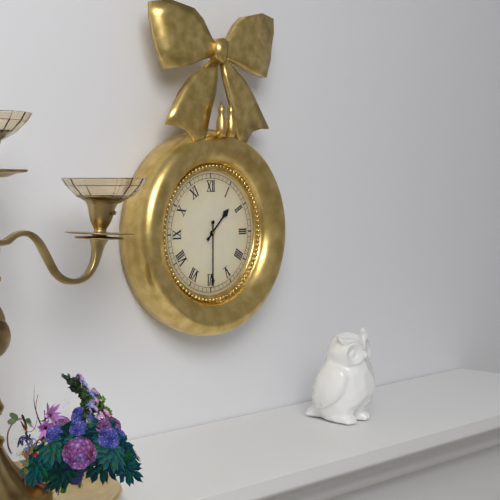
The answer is 1.30
